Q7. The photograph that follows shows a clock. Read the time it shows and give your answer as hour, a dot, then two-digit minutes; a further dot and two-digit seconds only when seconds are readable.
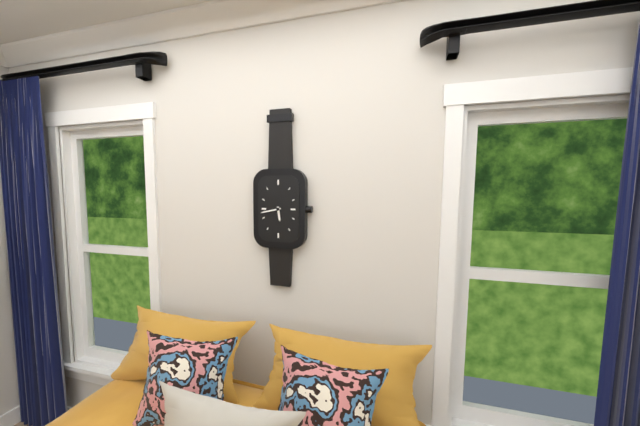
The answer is 5.43
